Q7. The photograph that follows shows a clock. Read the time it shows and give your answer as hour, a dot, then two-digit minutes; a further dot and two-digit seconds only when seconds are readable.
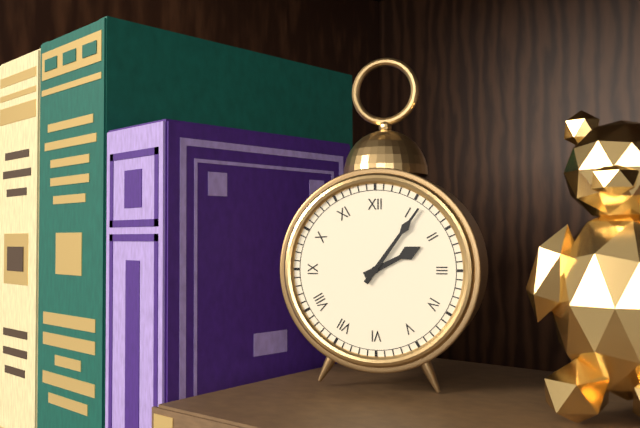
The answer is 2.06
